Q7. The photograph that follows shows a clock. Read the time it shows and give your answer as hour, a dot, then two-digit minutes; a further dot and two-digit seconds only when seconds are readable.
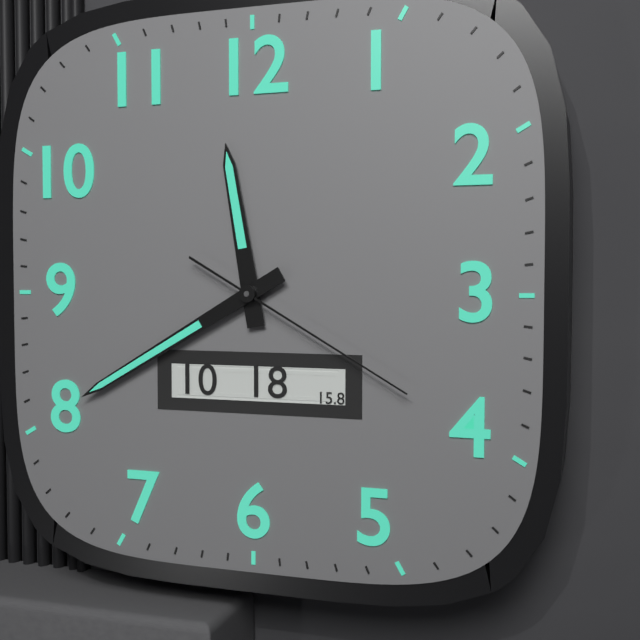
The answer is 11.40.20
